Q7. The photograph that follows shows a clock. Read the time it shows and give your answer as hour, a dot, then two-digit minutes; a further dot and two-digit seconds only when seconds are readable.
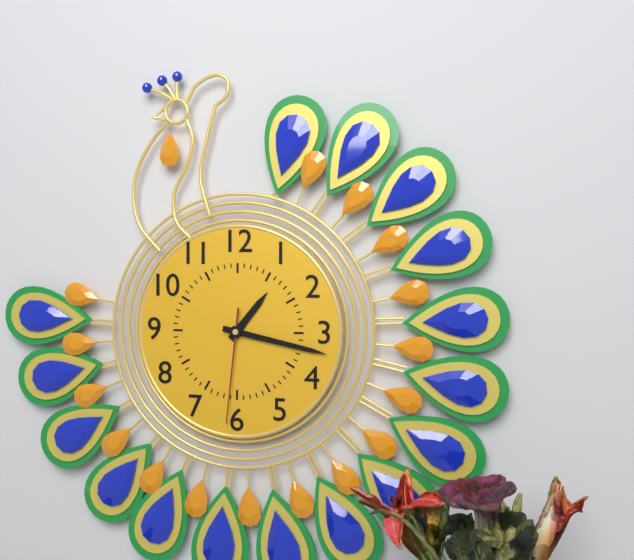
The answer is 1.17.31
